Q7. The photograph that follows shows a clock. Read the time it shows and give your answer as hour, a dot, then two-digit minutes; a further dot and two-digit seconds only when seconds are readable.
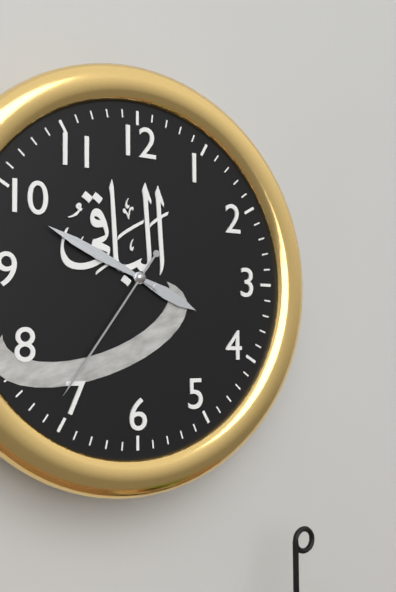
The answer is 3.49.36
